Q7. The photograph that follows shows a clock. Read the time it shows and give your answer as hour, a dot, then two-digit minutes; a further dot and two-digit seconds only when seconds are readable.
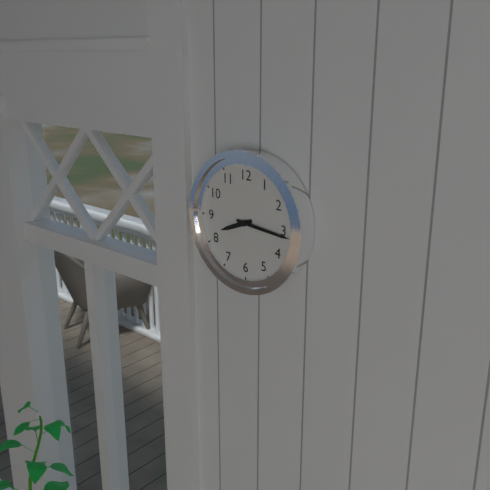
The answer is 8.16
